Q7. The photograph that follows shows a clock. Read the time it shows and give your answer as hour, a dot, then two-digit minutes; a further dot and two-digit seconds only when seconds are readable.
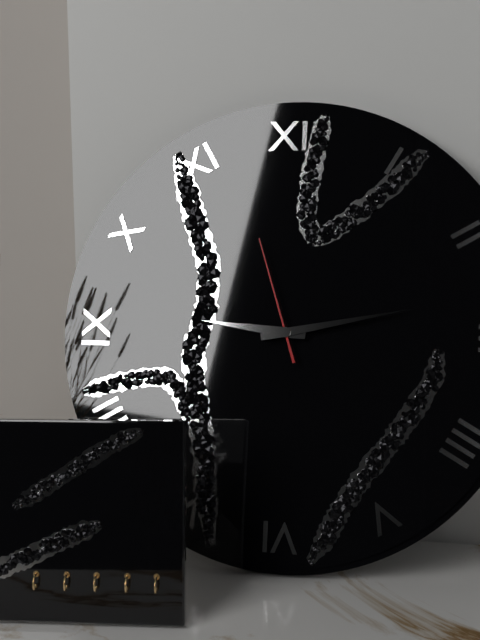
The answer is 9.13.57
